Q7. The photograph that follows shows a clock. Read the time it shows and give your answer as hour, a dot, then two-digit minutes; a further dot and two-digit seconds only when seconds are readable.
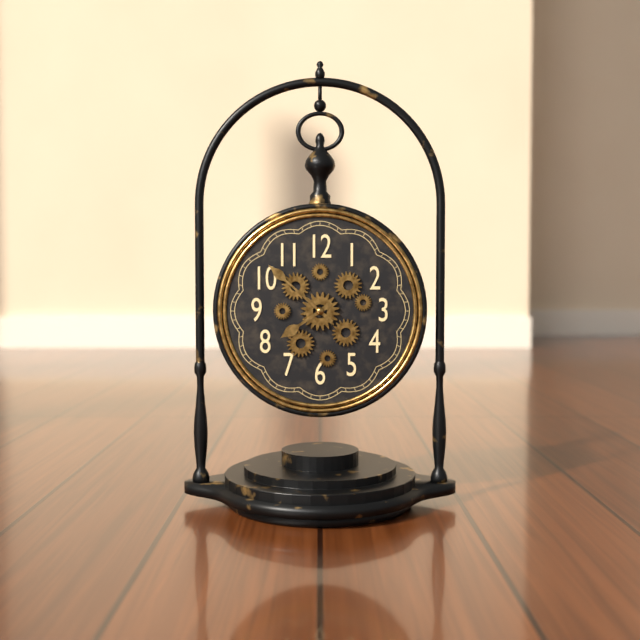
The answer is 7.52
